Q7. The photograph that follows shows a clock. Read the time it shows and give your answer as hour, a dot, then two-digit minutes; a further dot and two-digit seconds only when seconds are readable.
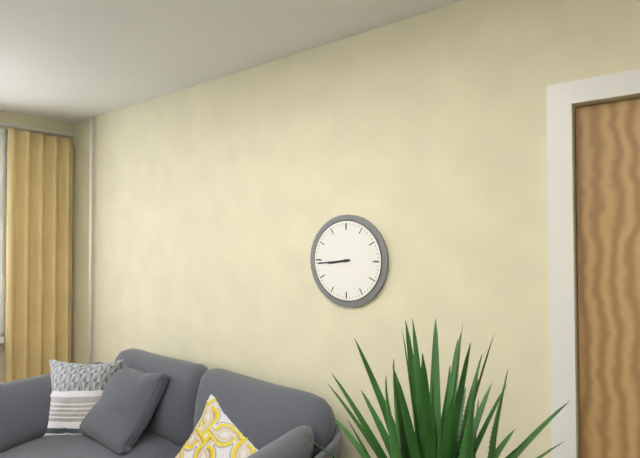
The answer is 8.44
